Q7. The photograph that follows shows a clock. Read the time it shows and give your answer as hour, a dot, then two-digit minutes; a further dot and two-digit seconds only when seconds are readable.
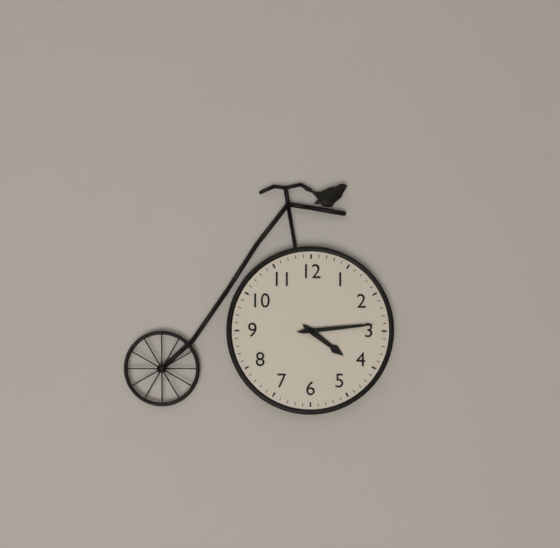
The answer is 4.14
